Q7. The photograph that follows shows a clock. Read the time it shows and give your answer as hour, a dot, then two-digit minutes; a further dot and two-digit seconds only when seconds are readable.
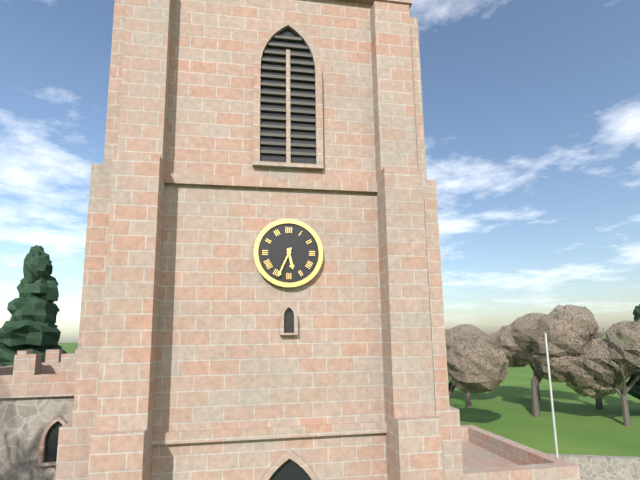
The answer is 5.34
